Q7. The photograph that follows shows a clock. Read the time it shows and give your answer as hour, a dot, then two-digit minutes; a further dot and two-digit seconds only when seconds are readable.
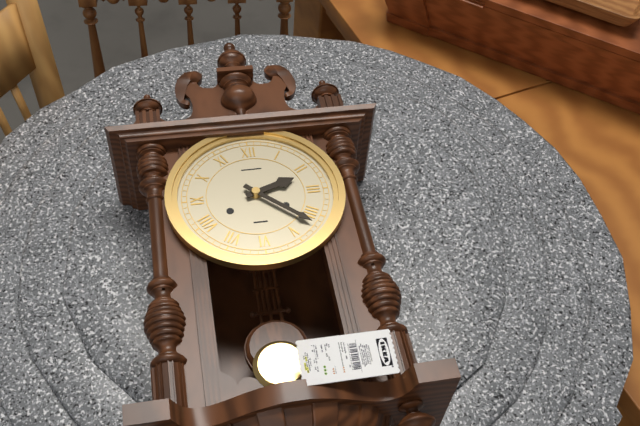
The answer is 2.22
